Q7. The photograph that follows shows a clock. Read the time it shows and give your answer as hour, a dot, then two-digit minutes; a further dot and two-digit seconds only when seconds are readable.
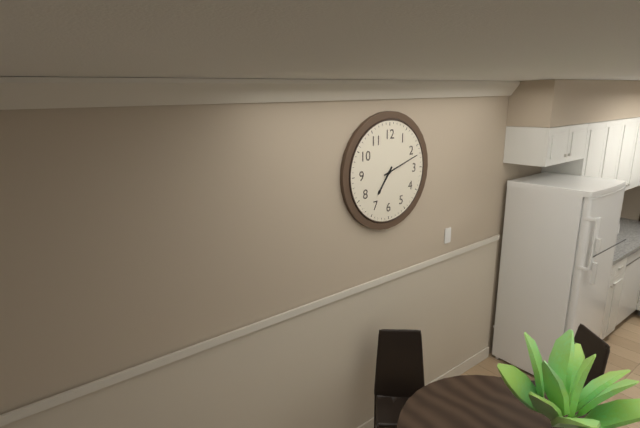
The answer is 7.12
